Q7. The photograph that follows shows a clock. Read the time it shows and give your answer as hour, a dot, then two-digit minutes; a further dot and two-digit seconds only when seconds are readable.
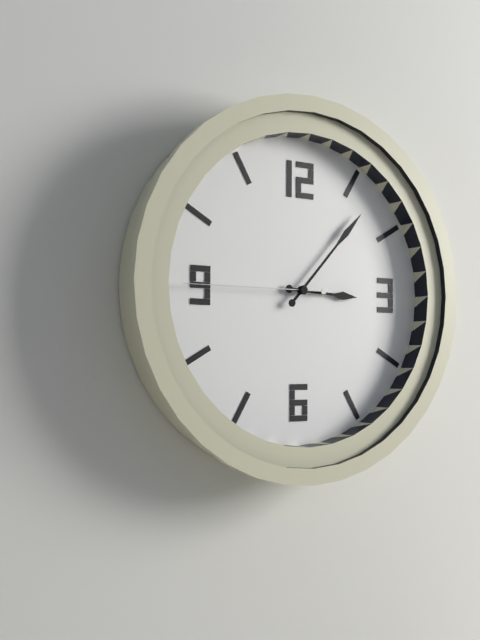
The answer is 3.07.45
